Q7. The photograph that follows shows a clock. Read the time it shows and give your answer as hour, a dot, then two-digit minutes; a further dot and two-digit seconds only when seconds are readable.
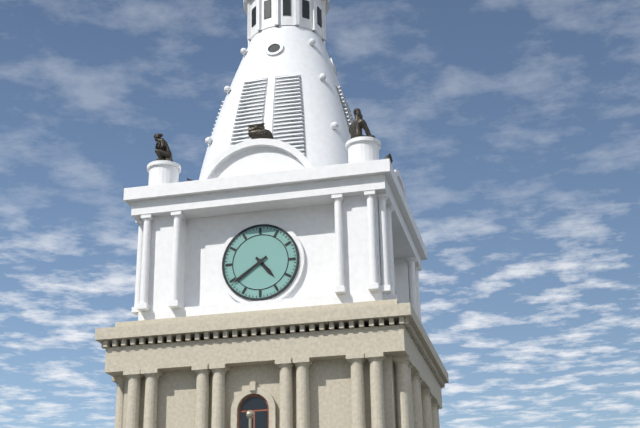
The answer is 4.39
